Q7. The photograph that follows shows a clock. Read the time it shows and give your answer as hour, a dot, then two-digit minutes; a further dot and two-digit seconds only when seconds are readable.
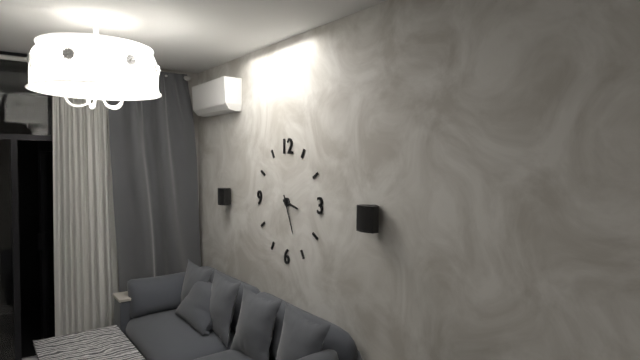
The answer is 3.26
